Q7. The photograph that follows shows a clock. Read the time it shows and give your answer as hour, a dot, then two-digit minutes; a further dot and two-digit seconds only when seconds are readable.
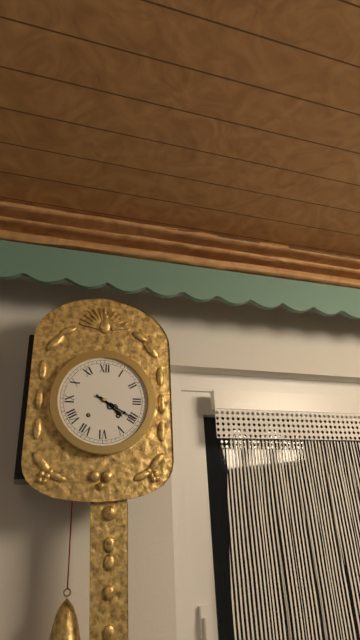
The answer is 4.20
